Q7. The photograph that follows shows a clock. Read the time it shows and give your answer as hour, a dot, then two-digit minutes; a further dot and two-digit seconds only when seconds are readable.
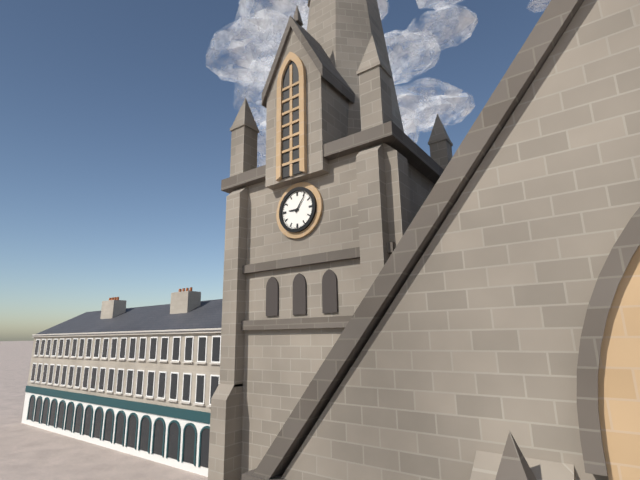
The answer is 9.06
